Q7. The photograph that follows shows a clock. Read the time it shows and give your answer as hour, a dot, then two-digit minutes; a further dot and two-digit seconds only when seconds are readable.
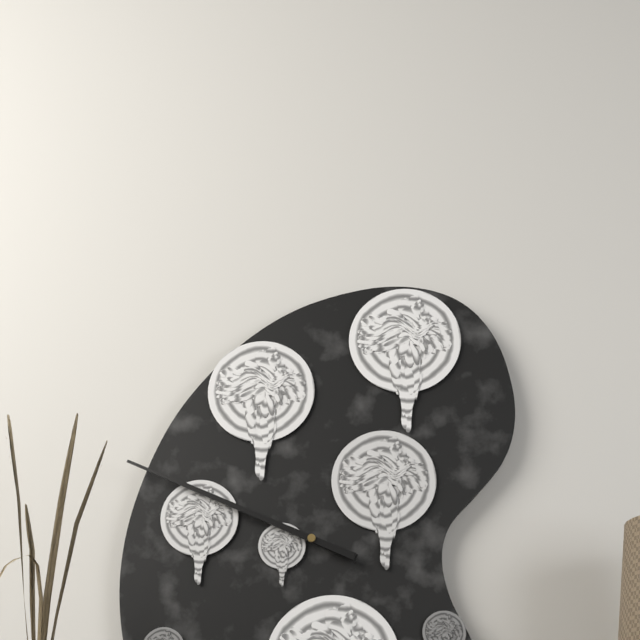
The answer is 9.49
